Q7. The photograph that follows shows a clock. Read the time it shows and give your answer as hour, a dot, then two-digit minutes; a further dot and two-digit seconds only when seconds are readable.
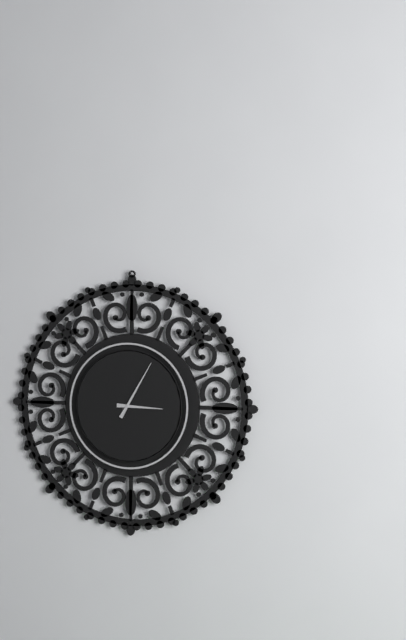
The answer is 3.05
